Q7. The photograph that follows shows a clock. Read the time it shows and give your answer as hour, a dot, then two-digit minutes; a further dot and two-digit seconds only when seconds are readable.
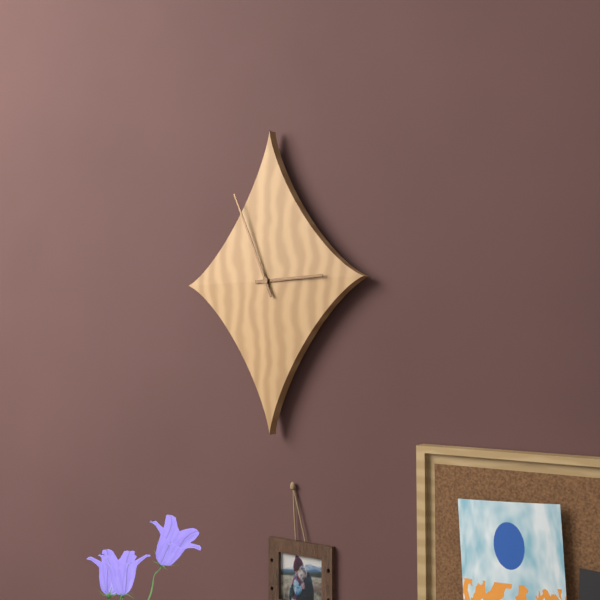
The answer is 2.56
